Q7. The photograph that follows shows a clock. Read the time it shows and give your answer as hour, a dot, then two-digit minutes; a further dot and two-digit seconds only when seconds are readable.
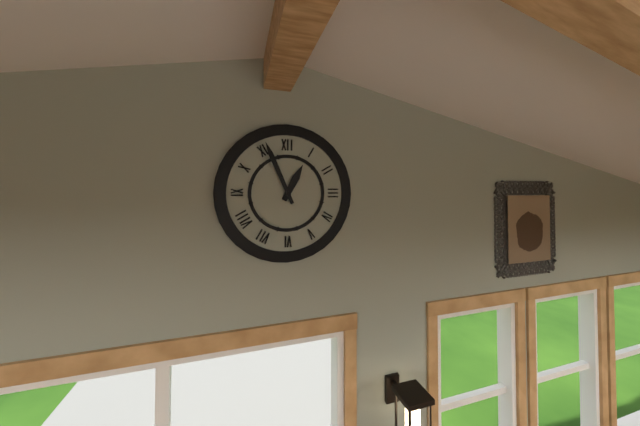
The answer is 12.56
